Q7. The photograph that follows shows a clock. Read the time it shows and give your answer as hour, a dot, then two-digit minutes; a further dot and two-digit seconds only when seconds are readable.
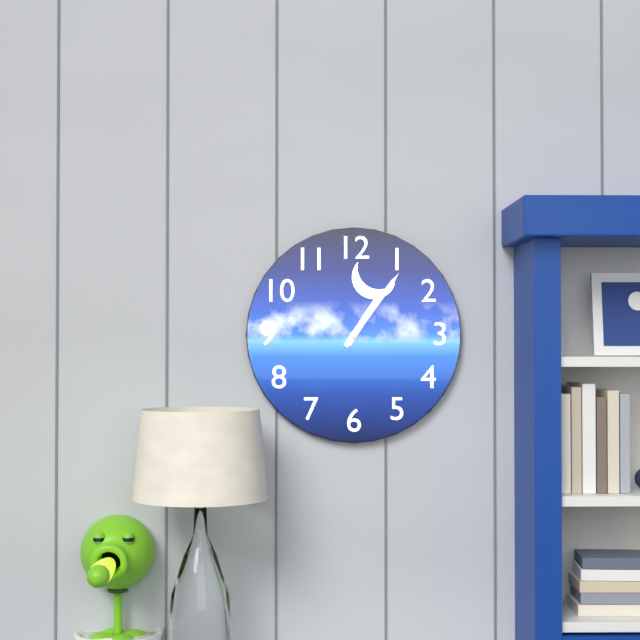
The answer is 1.06
